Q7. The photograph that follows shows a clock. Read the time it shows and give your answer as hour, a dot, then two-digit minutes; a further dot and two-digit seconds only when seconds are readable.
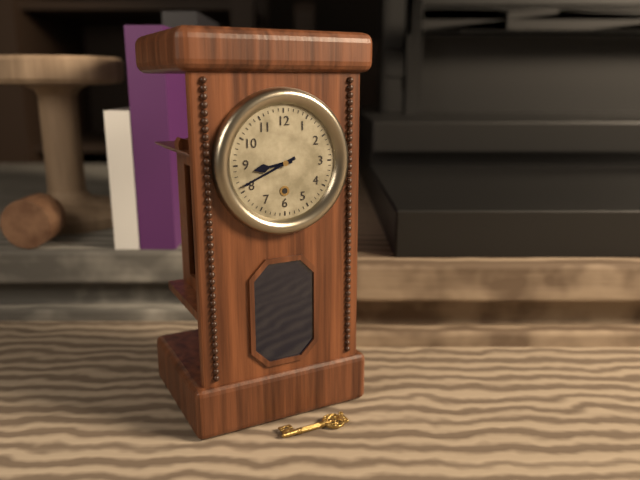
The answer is 8.41
